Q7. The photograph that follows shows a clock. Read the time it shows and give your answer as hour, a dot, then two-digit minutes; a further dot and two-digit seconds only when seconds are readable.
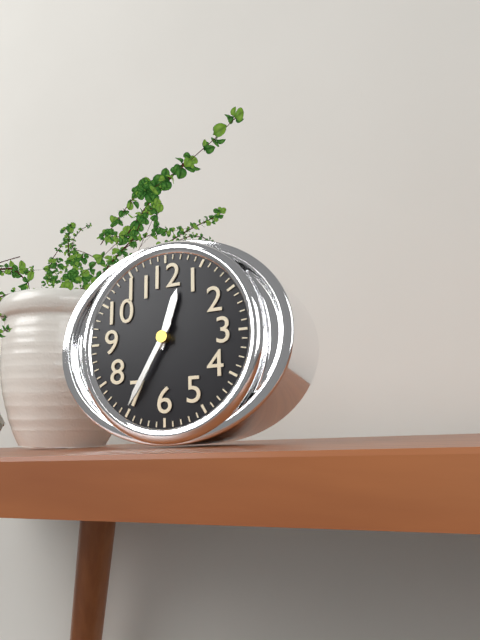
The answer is 12.35
